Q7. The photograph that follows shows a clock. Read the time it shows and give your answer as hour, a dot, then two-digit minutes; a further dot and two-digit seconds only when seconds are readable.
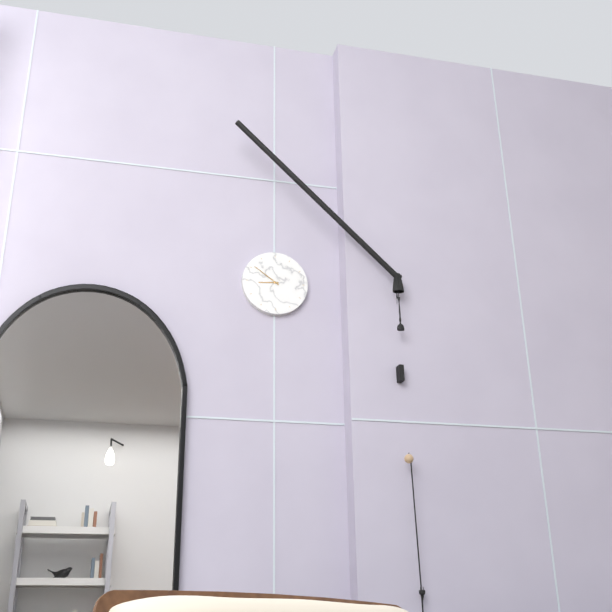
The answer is 8.51
